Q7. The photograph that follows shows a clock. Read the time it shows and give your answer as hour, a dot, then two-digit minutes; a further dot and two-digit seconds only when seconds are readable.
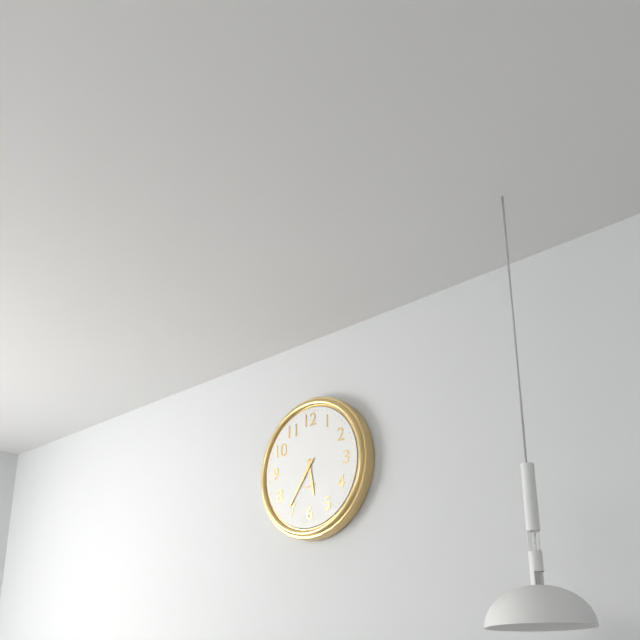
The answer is 5.36
